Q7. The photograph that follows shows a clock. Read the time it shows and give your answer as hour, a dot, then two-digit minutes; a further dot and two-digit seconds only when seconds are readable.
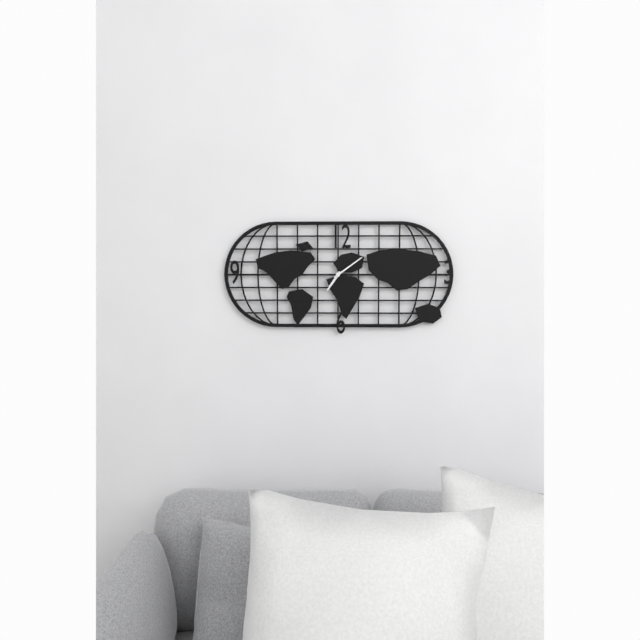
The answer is 7.09
